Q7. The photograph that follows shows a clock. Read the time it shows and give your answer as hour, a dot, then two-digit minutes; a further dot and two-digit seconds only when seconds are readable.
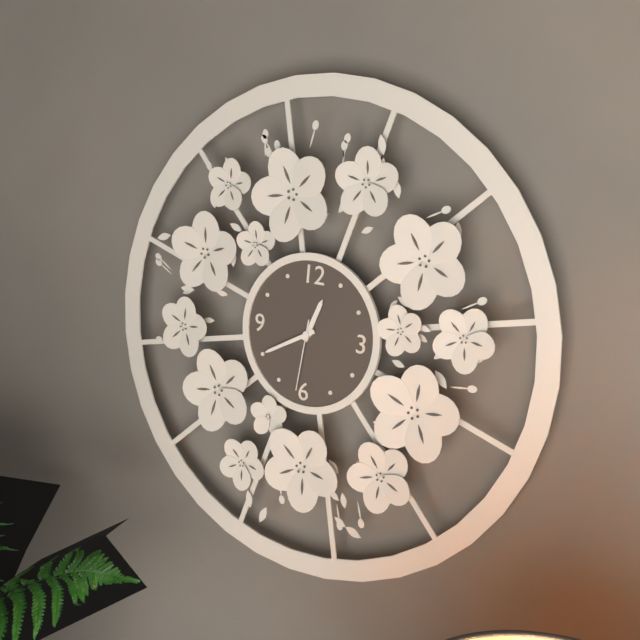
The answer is 12.40.31
